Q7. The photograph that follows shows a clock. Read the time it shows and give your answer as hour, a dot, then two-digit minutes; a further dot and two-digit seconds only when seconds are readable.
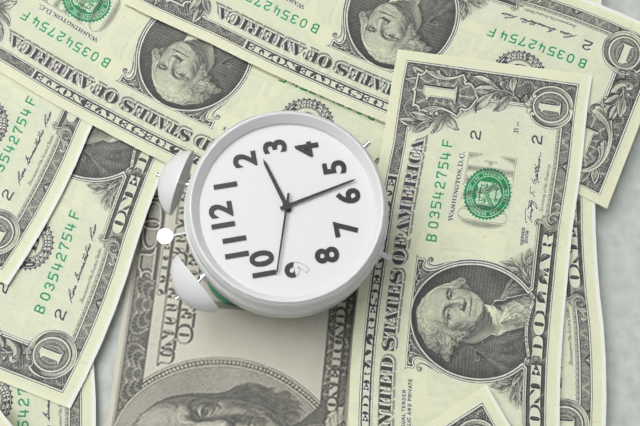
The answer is 2.28.48
